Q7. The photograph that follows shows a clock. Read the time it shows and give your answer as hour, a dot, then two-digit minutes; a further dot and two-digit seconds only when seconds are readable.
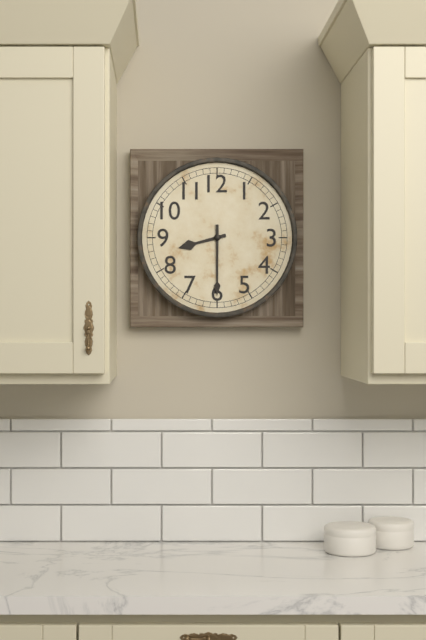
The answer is 8.30
